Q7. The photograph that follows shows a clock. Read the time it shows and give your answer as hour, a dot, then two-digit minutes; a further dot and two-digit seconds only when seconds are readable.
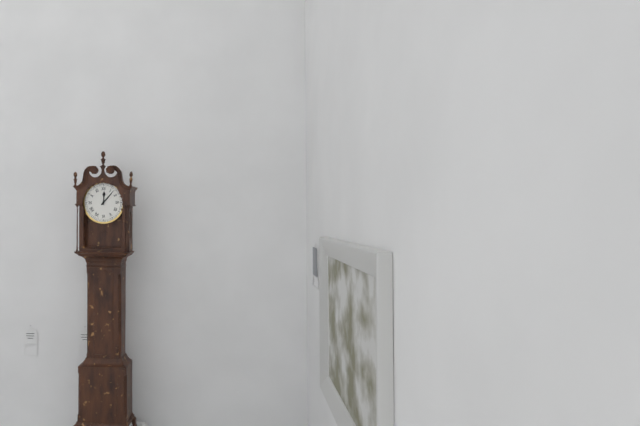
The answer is 12.07
